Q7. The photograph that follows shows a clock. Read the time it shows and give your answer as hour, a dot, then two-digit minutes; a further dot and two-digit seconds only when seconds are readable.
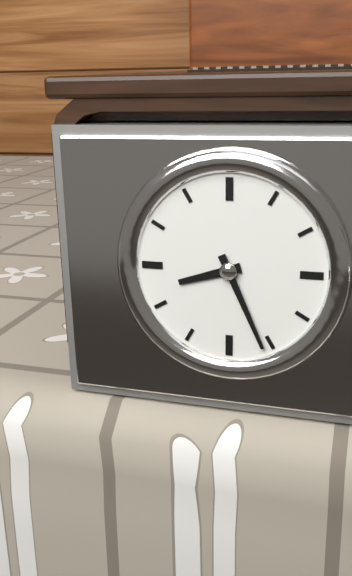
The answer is 8.26
